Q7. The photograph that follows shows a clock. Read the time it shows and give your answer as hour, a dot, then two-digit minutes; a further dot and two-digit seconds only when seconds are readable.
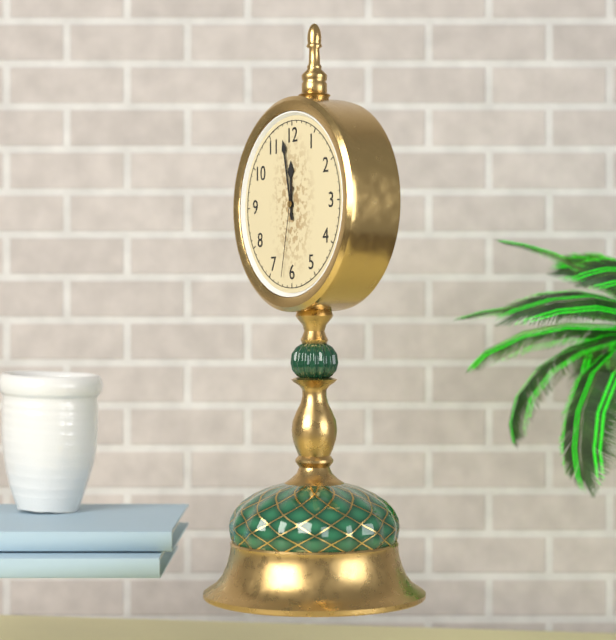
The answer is 11.58.32
